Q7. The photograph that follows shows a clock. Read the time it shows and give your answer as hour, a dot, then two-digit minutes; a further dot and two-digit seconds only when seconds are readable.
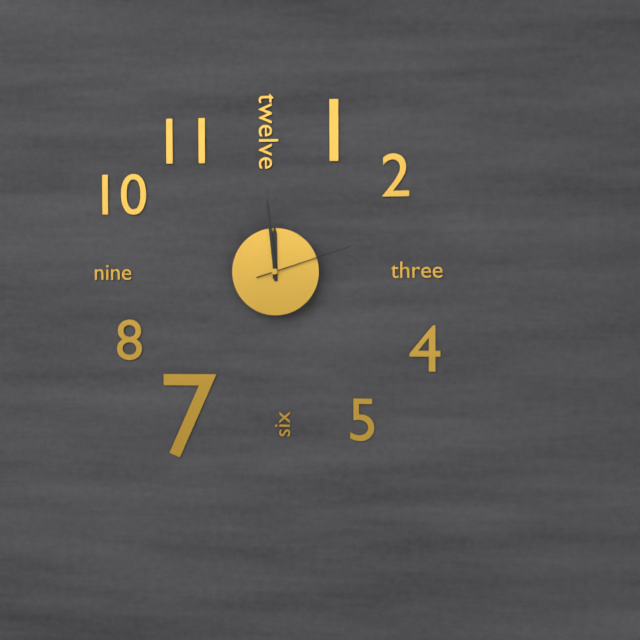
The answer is 11.59.12
